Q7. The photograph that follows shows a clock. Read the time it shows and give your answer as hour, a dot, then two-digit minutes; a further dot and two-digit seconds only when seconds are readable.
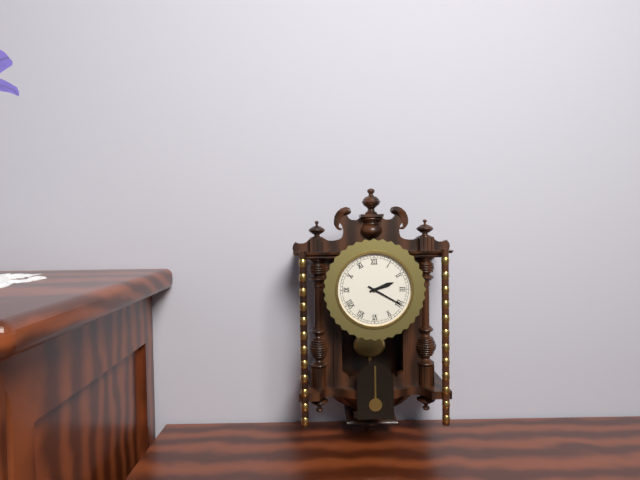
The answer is 2.20
